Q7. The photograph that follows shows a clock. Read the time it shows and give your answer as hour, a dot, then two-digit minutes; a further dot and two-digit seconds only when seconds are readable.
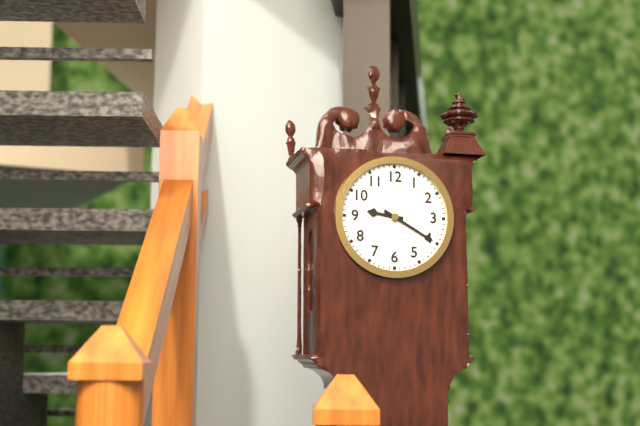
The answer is 9.20
